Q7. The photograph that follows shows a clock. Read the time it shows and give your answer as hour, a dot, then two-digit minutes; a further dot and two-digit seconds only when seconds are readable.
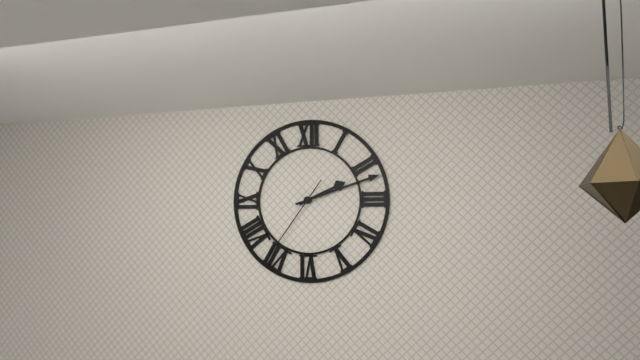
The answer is 2.12.36
